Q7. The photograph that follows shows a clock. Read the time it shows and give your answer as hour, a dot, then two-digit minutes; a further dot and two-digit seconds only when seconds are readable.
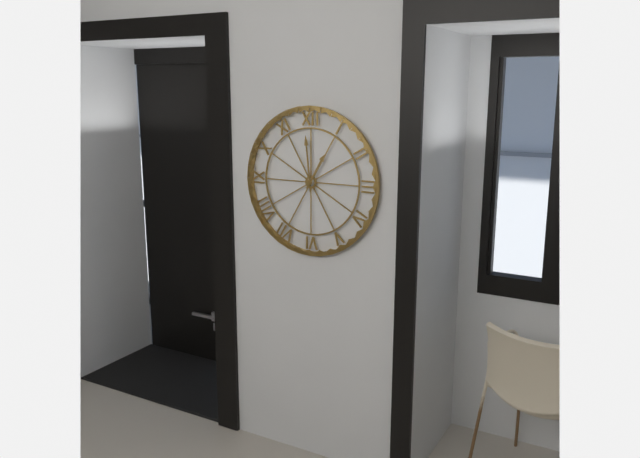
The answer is 12.59
